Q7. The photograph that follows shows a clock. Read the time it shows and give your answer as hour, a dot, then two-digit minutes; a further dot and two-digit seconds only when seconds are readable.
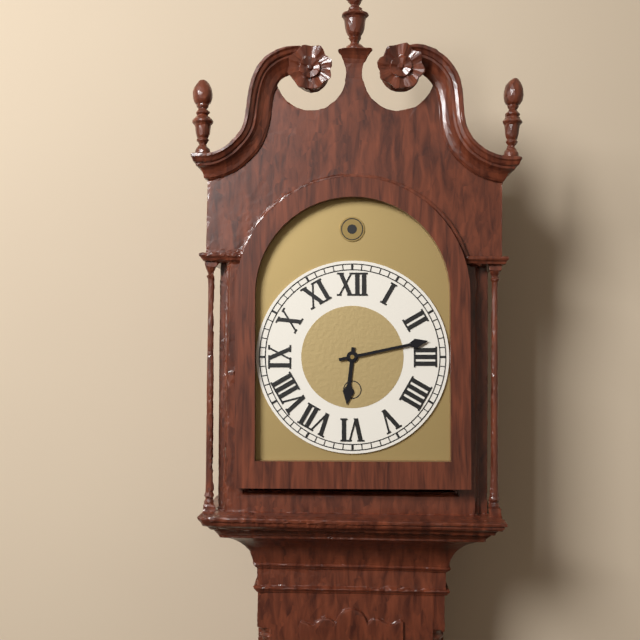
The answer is 6.13
